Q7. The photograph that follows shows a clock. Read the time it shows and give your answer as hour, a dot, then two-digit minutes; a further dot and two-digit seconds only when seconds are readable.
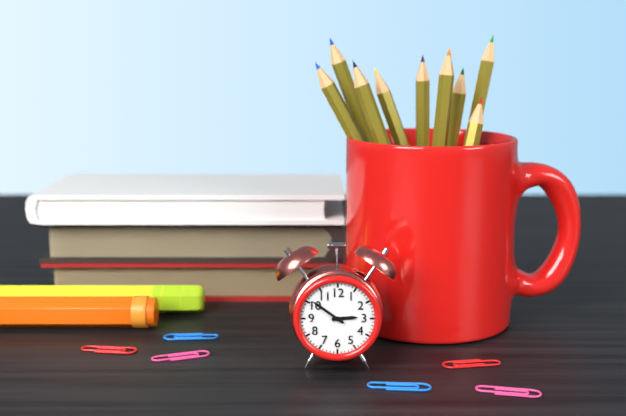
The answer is 2.51
